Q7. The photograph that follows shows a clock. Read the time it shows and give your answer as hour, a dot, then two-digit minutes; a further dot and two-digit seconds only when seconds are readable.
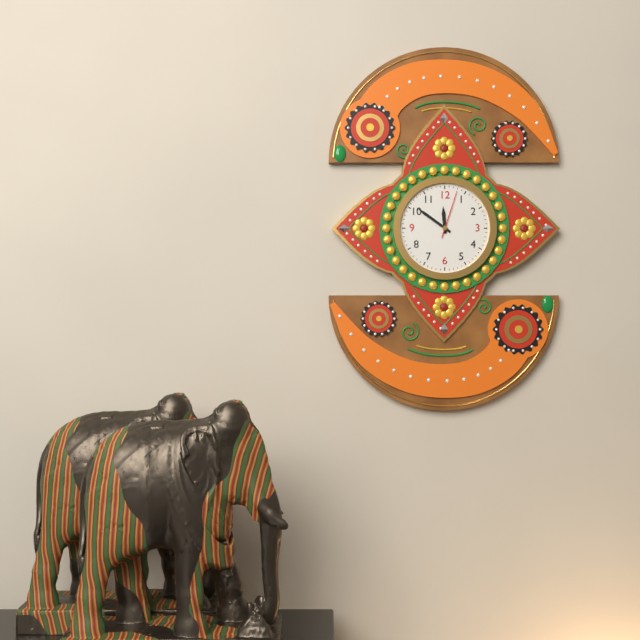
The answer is 11.51.03
